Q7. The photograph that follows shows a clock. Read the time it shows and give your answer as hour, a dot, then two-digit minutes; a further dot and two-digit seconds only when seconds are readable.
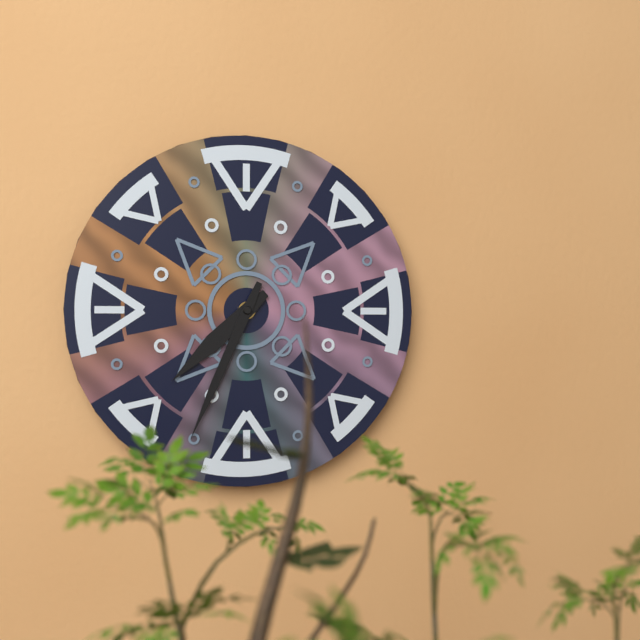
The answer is 7.34
